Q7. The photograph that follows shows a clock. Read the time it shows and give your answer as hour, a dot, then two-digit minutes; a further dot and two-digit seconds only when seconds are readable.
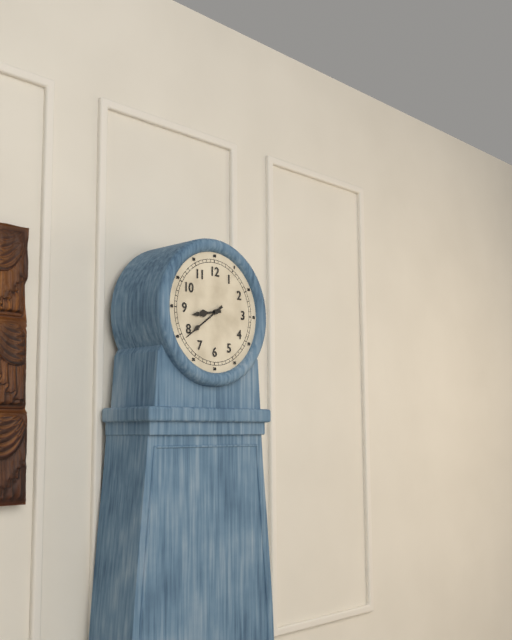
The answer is 8.39
